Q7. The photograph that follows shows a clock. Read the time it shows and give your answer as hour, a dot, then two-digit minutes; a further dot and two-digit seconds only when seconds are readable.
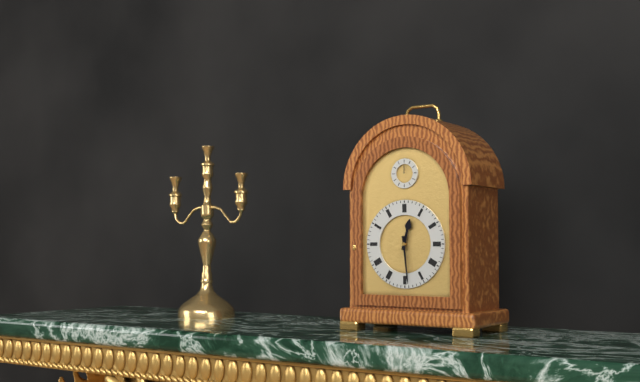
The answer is 12.29
